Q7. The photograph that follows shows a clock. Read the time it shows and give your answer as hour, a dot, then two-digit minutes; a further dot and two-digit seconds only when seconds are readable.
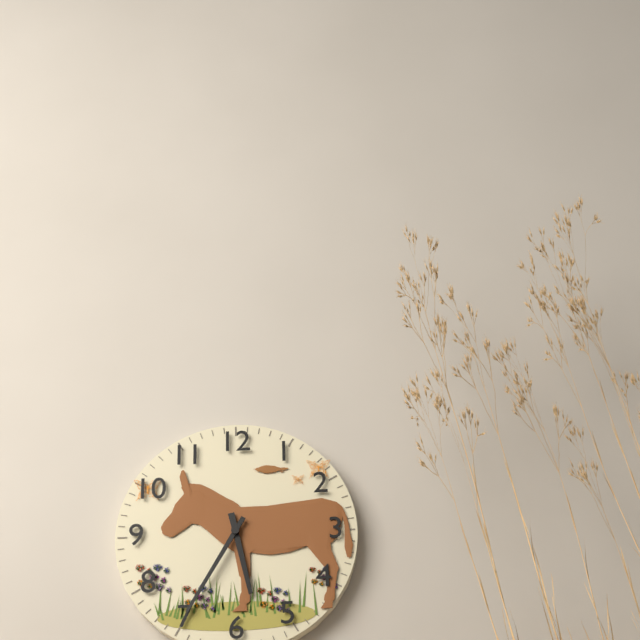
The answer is 5.35
